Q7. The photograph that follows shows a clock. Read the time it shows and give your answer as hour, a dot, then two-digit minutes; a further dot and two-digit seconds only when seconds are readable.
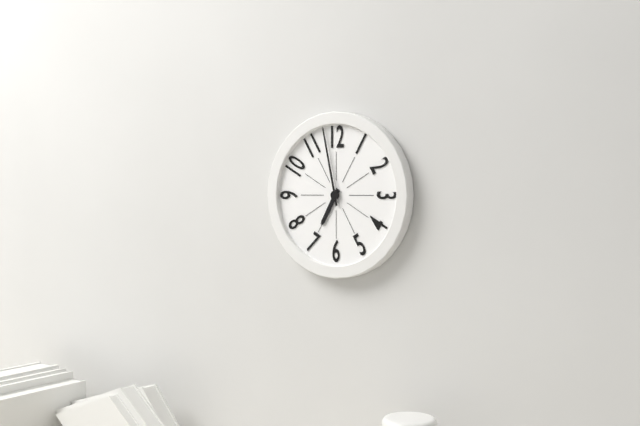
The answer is 6.58
